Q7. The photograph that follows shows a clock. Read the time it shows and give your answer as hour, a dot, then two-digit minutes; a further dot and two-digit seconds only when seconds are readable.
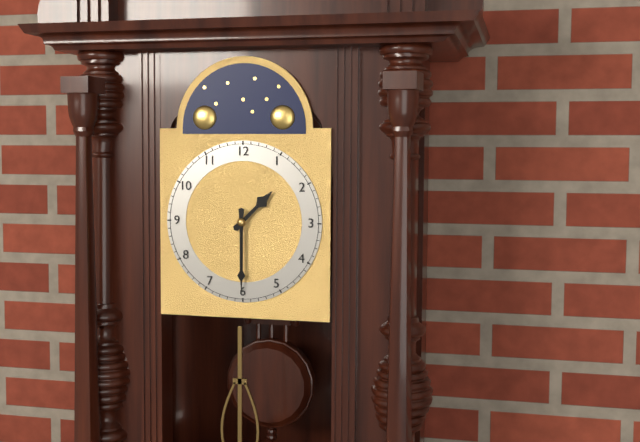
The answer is 1.30
